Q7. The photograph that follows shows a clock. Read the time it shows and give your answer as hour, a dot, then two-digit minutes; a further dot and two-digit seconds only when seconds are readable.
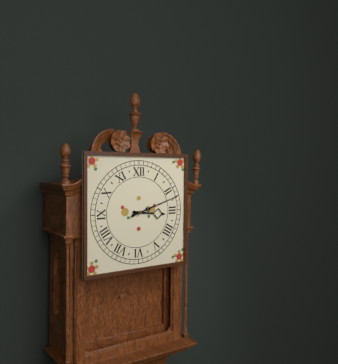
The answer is 3.12
